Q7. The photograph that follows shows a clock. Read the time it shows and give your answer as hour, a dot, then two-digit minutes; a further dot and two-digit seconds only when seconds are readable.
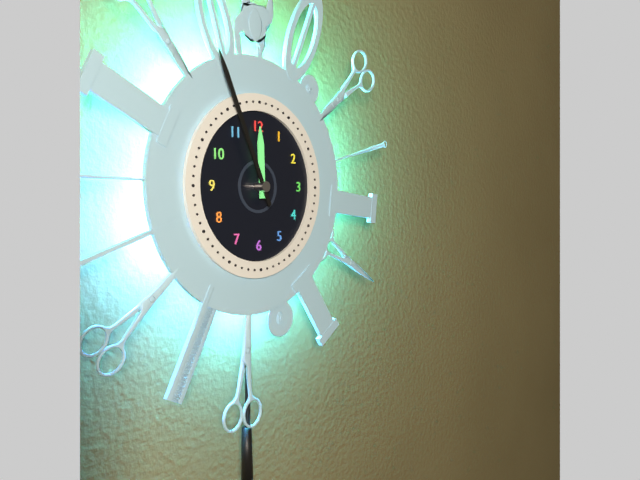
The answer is 11.56
